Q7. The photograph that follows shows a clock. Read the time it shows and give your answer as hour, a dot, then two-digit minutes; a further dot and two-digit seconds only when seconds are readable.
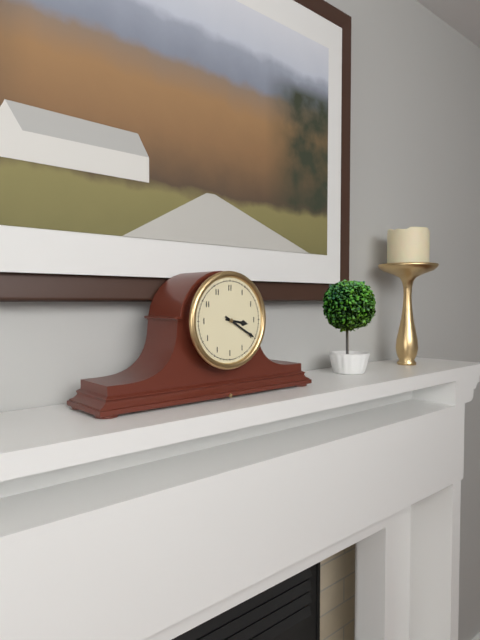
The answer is 3.20
